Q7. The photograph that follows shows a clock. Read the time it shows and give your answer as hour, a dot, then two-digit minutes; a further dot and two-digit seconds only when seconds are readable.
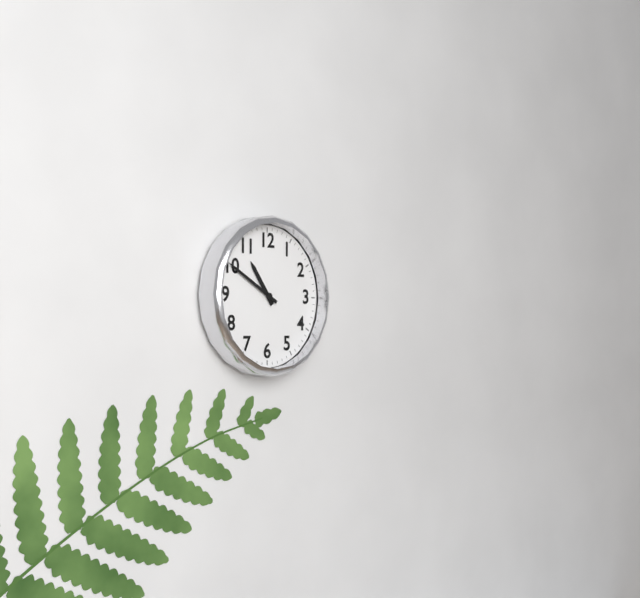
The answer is 10.50
